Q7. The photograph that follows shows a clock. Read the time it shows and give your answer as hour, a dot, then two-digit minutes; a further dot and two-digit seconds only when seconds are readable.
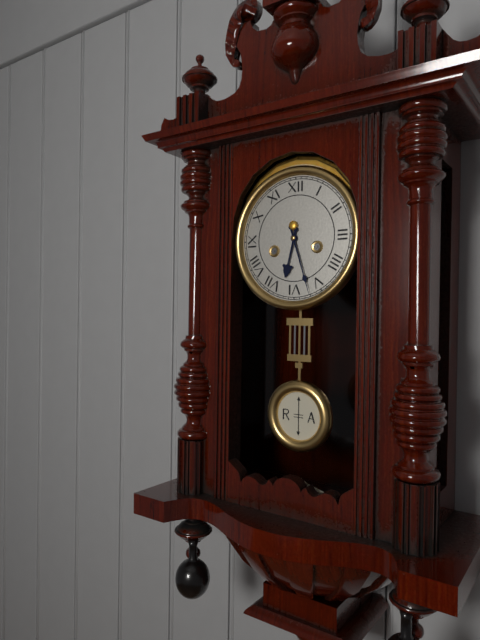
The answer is 6.27
